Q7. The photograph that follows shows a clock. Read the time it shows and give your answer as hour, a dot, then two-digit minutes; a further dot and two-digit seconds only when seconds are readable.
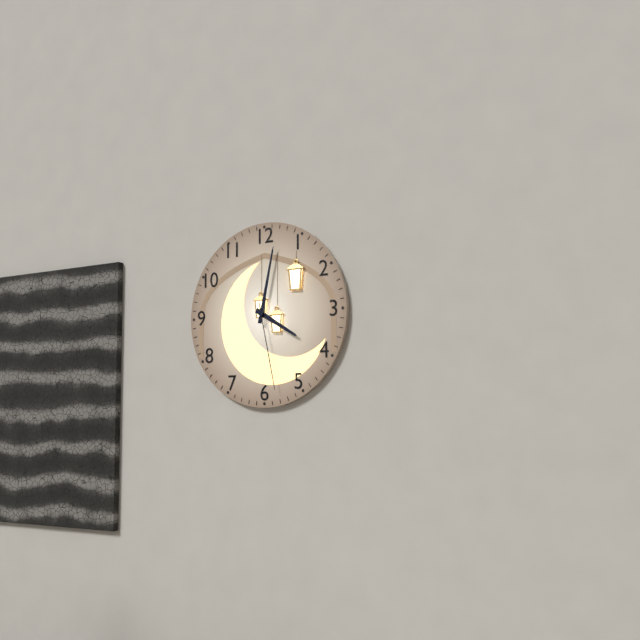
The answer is 4.02.28
